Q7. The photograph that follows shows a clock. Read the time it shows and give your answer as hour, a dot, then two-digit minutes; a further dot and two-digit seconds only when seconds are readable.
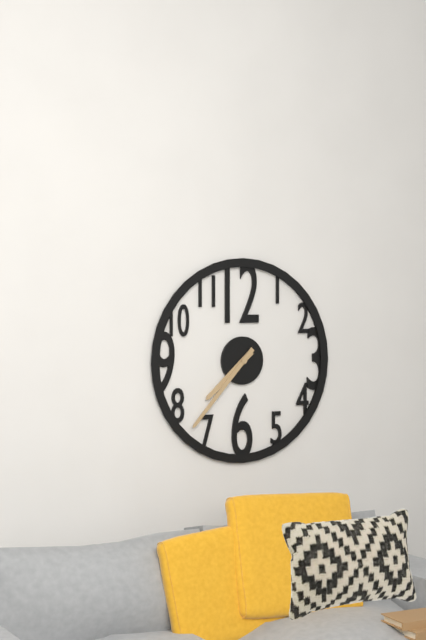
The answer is 7.37
